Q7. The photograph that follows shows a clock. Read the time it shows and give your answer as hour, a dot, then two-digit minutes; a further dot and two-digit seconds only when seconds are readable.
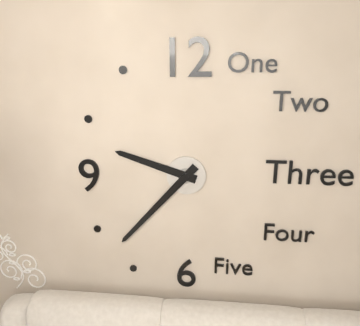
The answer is 9.37
